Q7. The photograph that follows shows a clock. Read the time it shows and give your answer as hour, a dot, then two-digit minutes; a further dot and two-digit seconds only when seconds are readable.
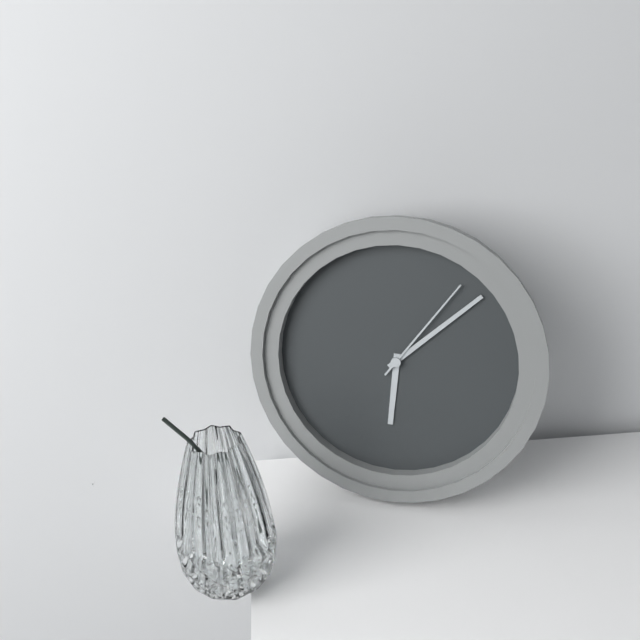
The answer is 6.08.06
